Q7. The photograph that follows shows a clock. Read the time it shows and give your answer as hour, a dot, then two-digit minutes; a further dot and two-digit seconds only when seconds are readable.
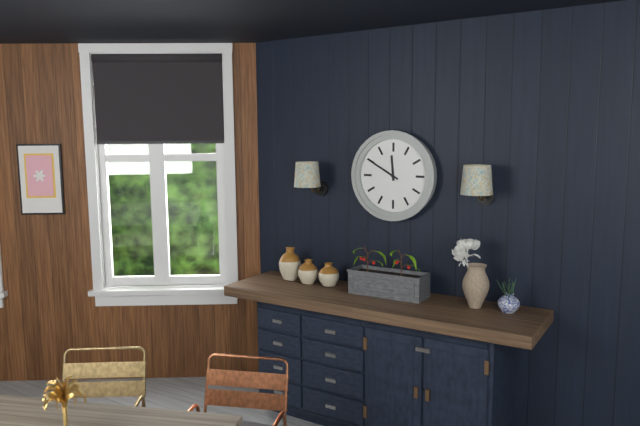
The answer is 11.50
